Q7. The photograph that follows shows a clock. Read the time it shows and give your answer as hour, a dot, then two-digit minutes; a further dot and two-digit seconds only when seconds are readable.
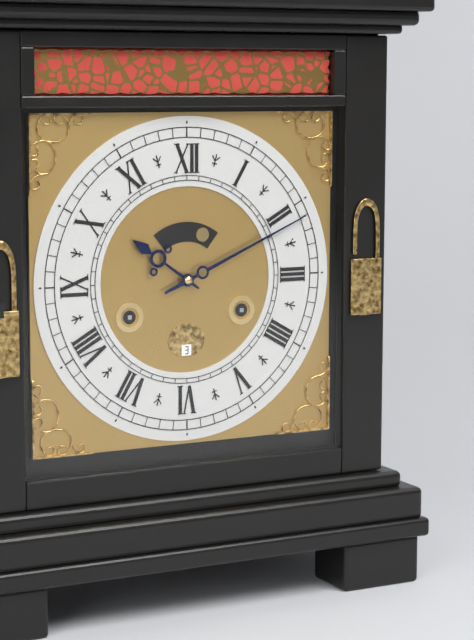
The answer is 10.11
